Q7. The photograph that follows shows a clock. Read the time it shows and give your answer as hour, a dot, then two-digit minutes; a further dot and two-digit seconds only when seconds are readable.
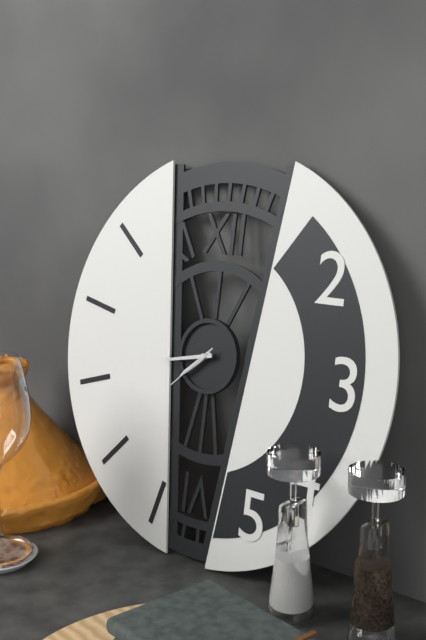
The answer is 7.43.38
